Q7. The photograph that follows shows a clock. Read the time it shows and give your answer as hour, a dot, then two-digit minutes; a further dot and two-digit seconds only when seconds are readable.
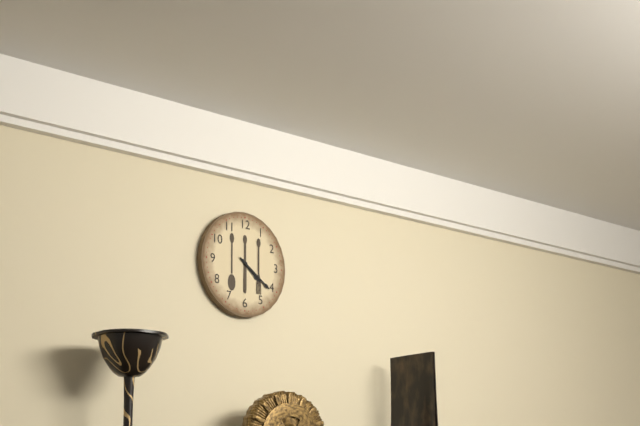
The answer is 4.21
